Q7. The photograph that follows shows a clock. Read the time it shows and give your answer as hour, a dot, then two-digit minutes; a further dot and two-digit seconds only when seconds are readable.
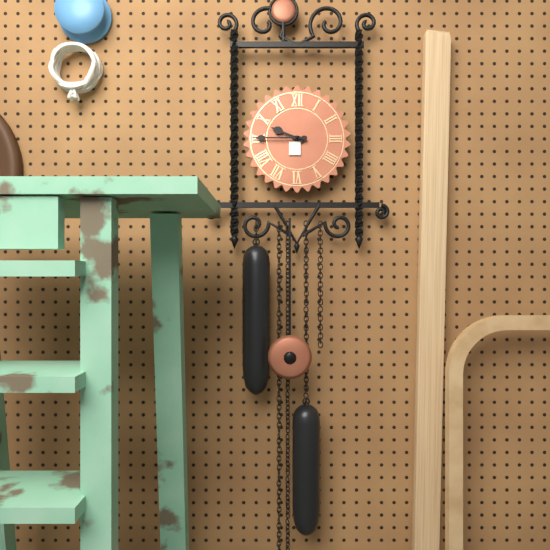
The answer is 9.45
